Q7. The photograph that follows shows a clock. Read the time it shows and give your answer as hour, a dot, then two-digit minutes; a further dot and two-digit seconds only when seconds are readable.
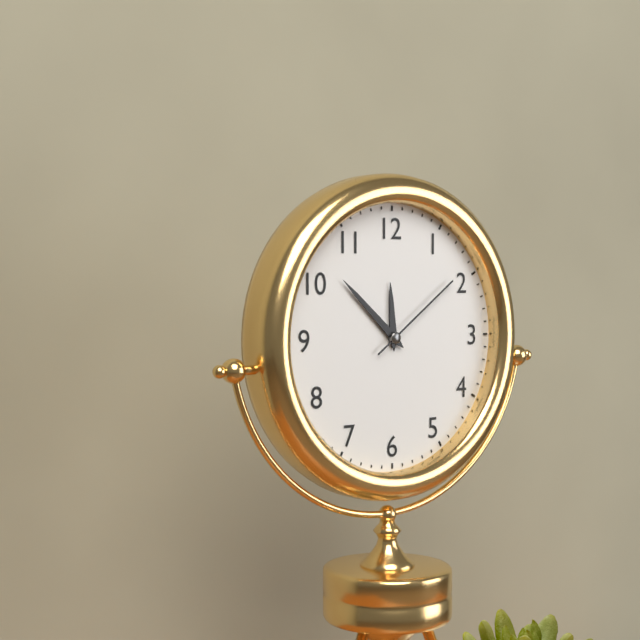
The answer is 11.52.09
